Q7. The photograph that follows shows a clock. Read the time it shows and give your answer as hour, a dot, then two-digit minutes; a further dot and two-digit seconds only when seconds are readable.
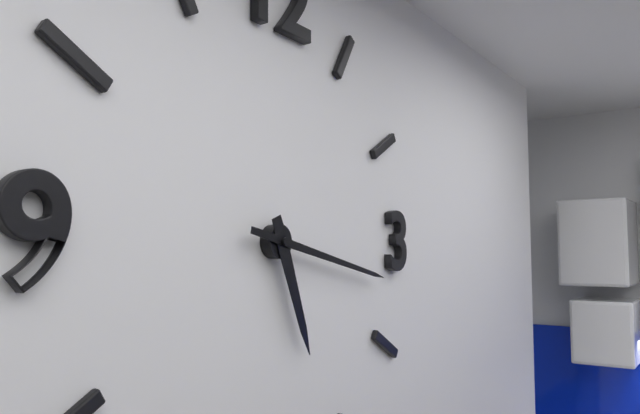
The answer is 5.17
